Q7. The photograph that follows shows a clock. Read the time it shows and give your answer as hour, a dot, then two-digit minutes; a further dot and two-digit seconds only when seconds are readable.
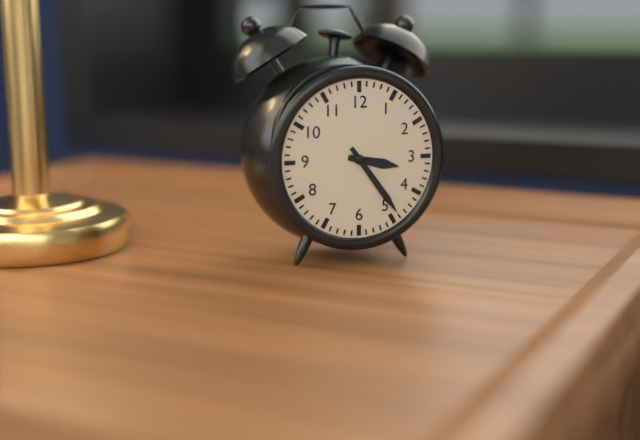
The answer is 3.24
